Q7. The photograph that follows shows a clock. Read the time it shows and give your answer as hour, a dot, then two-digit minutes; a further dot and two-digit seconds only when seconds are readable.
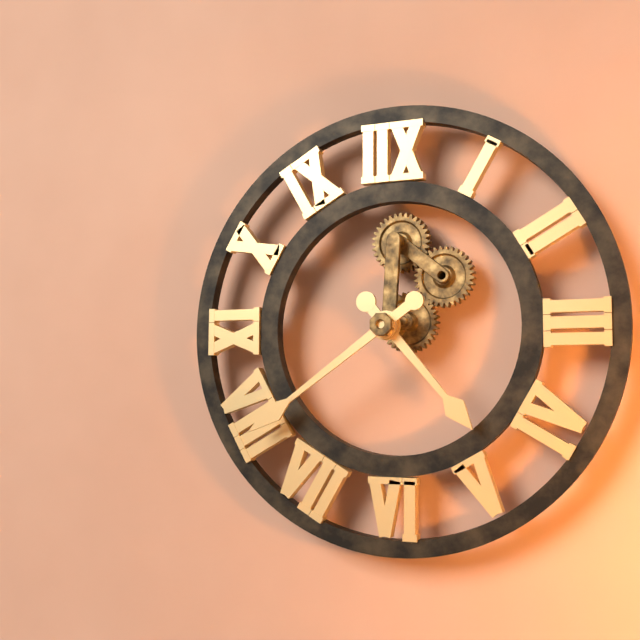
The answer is 4.39
